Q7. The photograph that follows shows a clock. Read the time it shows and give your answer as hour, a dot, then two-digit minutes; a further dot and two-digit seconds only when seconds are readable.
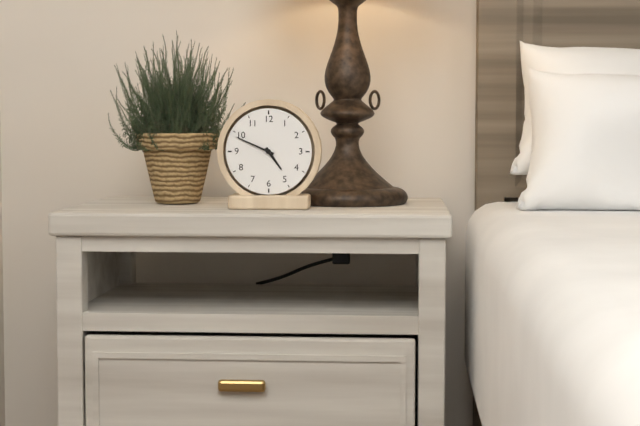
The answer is 4.49
